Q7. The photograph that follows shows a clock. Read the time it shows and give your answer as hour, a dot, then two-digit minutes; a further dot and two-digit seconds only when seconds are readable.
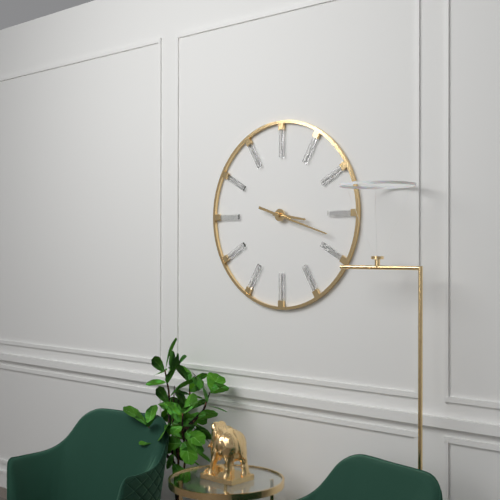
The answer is 3.18
